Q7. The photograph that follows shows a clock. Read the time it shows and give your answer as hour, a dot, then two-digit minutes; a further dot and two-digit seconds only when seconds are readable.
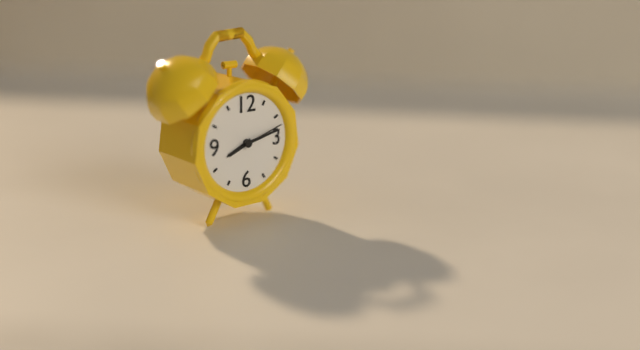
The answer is 8.13
